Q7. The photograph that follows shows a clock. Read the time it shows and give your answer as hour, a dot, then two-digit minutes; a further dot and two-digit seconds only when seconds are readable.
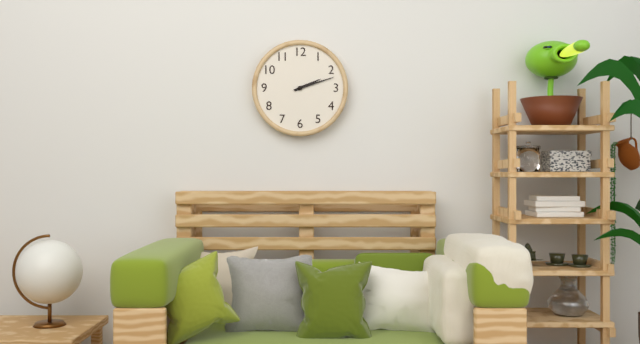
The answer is 2.12
